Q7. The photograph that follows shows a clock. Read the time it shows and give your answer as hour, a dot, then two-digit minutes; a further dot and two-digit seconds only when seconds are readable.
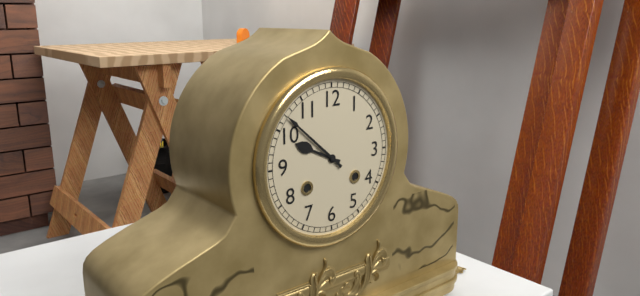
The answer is 9.52
